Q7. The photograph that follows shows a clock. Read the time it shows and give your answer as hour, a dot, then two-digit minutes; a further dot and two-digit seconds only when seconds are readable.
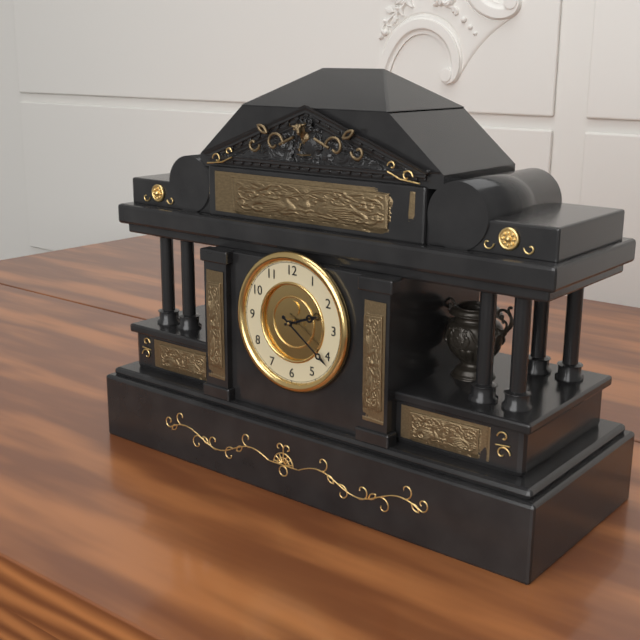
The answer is 2.21
